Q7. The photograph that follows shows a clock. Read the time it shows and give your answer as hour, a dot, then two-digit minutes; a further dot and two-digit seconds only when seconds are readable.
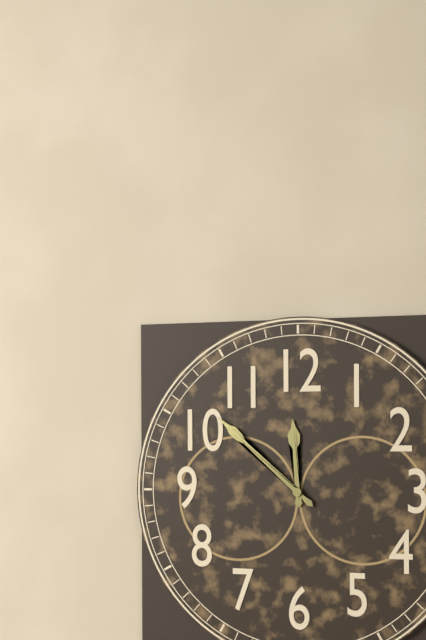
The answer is 11.52
